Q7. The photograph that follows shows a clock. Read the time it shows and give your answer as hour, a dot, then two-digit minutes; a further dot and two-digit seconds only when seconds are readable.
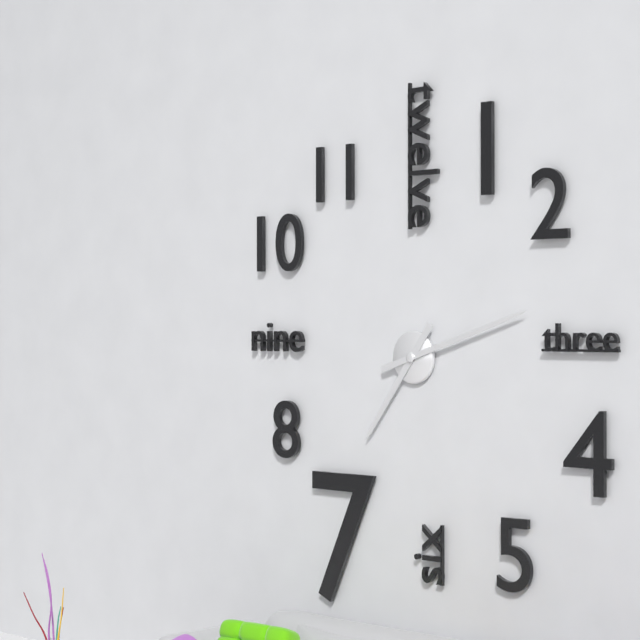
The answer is 7.12
